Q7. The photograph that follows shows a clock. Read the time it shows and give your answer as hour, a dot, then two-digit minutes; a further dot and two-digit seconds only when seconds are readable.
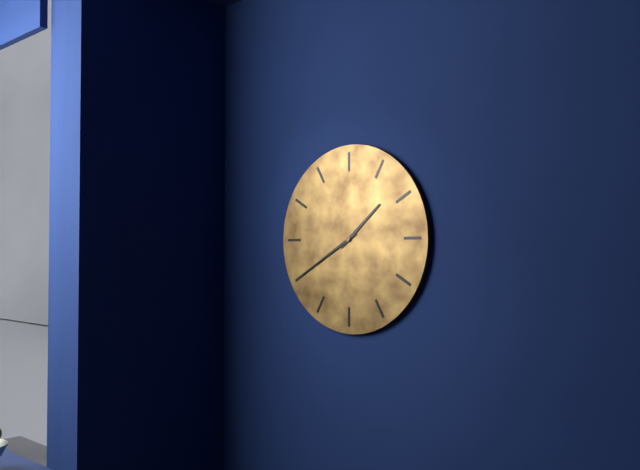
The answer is 1.40
